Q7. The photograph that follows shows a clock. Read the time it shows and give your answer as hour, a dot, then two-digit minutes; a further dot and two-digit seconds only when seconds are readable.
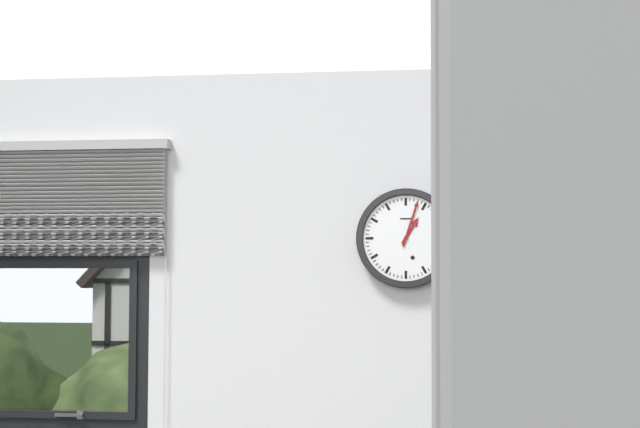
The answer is 1.03
